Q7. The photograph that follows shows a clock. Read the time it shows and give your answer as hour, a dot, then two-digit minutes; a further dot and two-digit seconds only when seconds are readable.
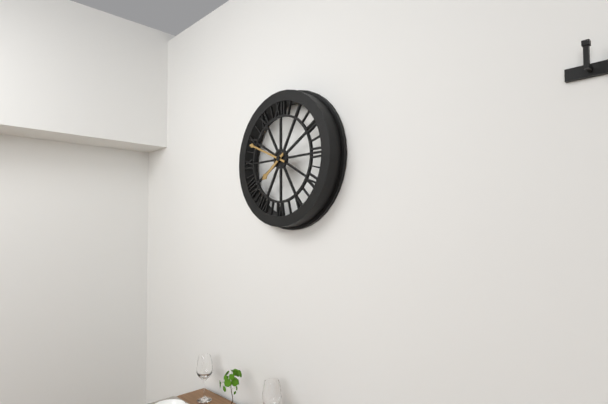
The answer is 7.49
